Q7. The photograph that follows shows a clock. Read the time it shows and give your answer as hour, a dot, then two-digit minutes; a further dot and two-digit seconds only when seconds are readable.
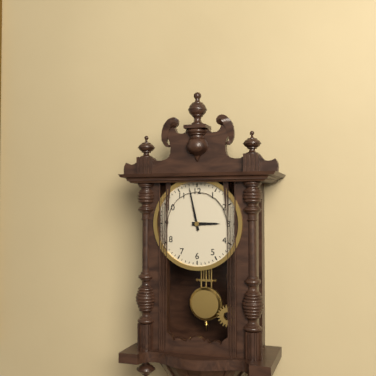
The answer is 2.58
